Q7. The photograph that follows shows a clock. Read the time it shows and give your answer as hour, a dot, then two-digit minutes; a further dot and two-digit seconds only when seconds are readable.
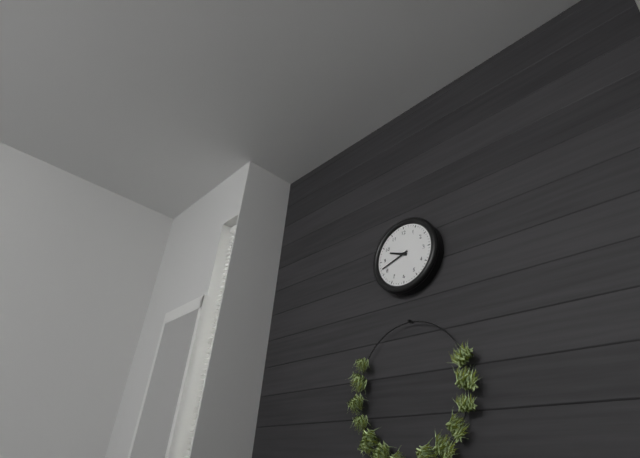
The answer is 9.42
